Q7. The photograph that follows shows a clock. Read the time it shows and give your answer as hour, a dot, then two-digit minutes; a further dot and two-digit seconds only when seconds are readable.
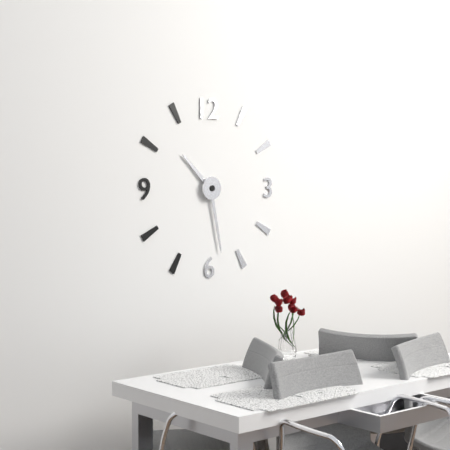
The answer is 10.28
